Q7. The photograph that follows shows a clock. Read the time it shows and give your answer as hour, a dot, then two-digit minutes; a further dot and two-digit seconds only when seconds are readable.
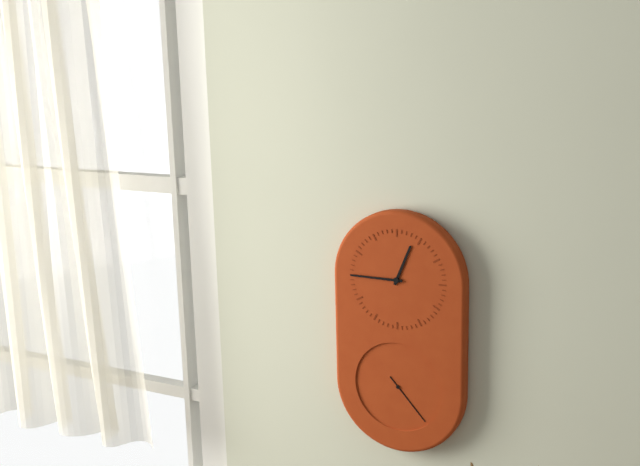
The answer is 12.45.23
